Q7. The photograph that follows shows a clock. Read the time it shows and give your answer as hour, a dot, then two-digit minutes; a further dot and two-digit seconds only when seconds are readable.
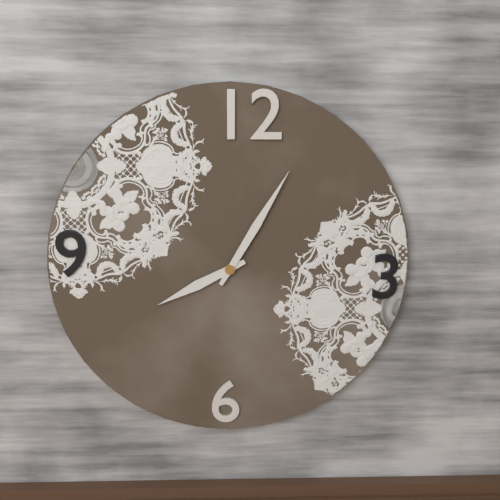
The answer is 8.05
